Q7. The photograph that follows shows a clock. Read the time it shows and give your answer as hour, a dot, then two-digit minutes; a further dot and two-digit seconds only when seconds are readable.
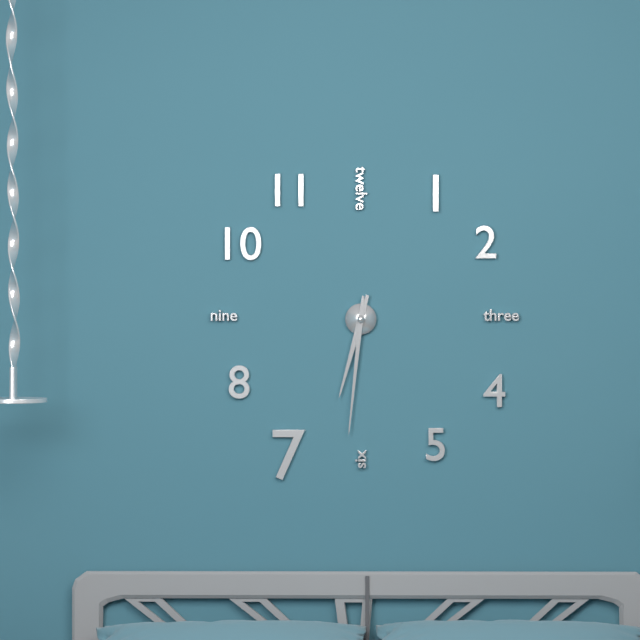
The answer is 6.31
